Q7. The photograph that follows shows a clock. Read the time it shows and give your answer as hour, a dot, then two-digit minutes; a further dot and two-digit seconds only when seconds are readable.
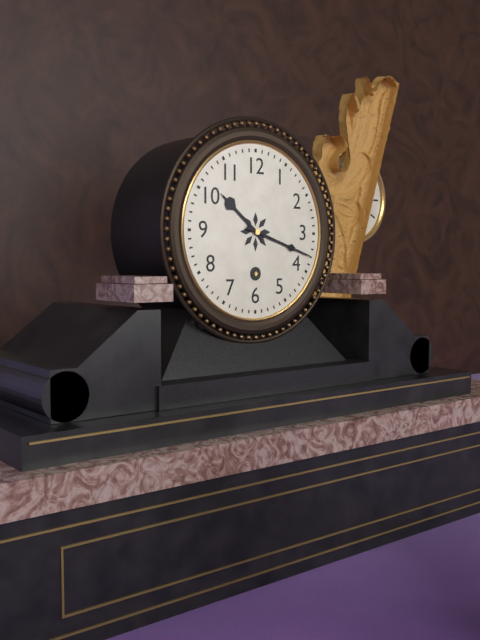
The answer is 10.18
